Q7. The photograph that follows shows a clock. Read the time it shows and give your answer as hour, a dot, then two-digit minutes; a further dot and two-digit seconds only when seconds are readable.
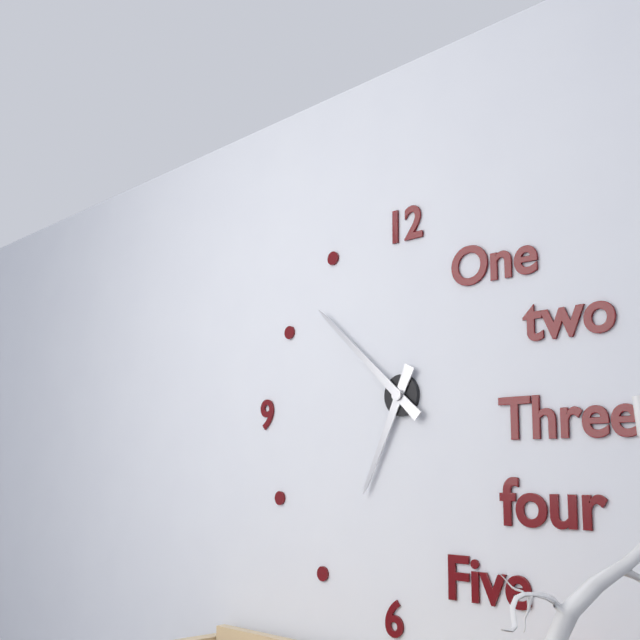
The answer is 6.52
